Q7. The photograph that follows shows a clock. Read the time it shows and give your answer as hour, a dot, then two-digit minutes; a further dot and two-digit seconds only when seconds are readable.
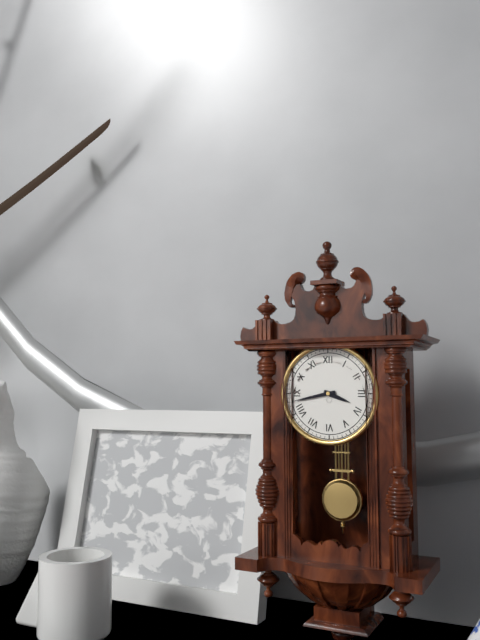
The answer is 3.43
